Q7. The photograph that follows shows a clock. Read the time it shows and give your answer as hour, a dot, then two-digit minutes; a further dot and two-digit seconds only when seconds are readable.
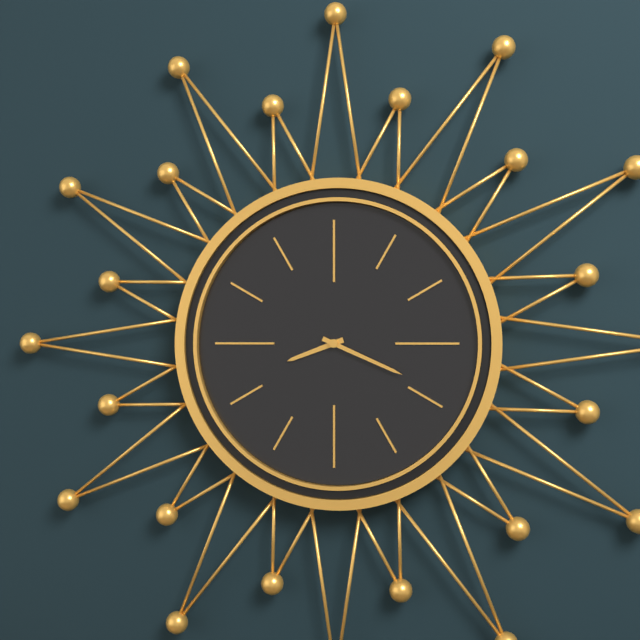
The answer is 8.19
